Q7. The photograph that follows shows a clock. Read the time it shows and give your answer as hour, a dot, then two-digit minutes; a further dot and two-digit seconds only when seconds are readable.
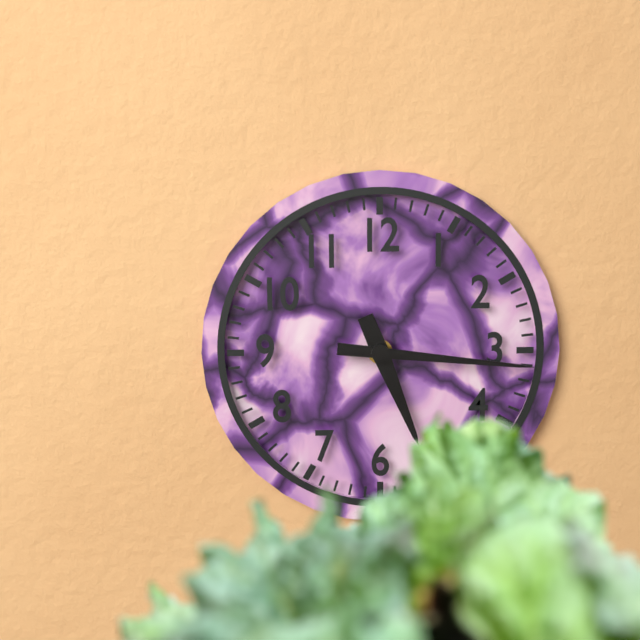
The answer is 5.16
